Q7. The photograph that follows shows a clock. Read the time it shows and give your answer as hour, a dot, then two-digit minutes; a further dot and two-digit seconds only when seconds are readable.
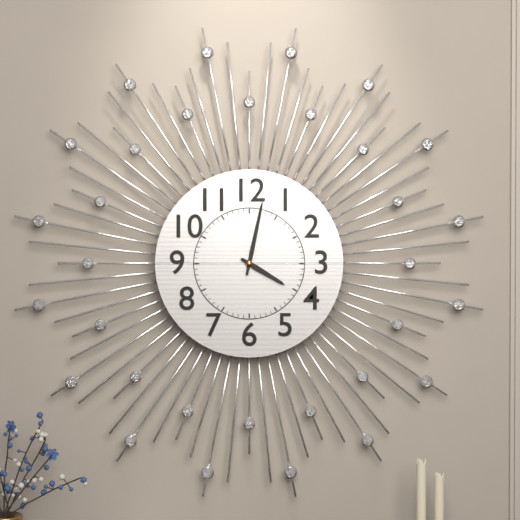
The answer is 4.02
